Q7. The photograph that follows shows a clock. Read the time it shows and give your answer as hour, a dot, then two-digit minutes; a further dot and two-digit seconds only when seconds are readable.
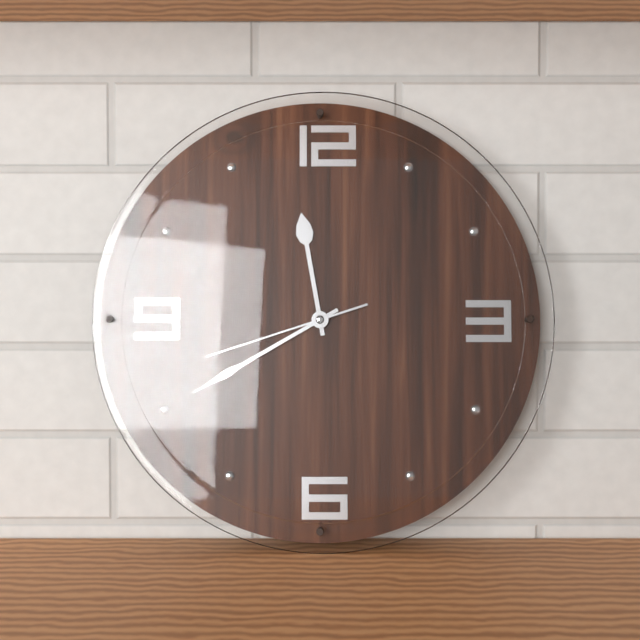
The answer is 11.40.42
